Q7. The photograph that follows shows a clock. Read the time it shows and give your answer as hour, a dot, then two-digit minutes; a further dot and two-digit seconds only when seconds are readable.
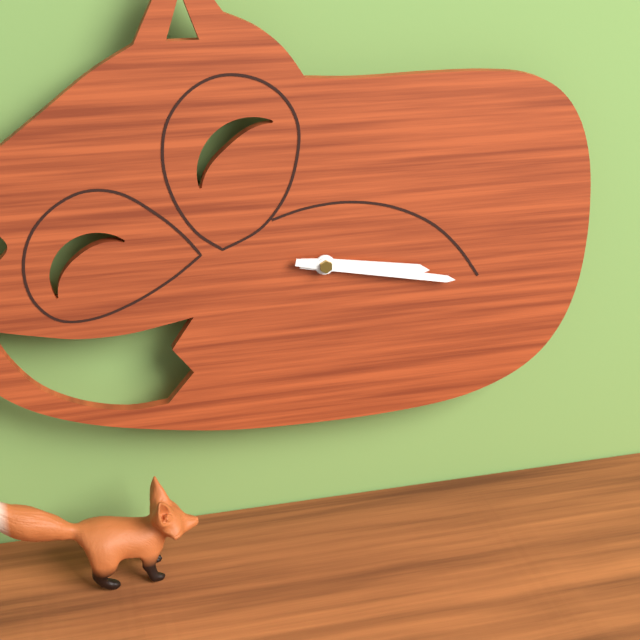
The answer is 3.17
